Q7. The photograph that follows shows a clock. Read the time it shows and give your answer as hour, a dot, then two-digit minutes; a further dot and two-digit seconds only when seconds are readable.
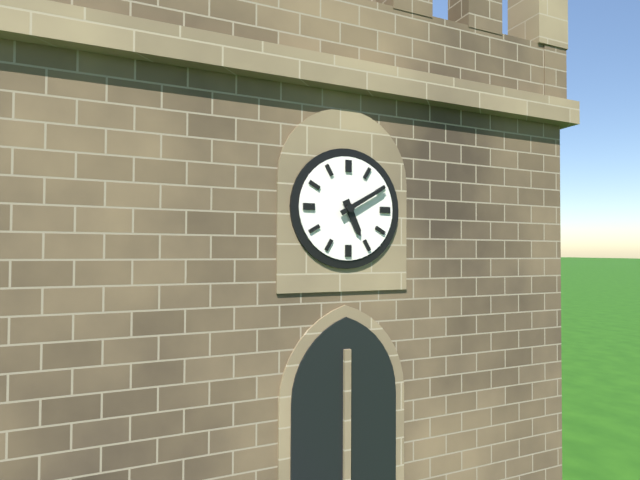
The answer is 5.10
